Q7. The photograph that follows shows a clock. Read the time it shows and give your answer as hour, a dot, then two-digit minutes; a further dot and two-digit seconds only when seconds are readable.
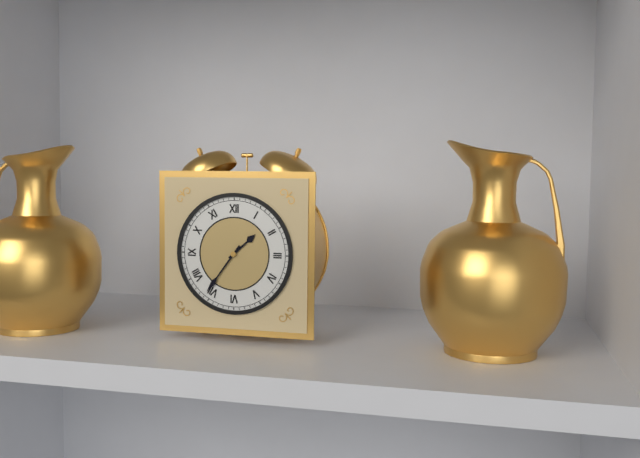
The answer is 1.36
